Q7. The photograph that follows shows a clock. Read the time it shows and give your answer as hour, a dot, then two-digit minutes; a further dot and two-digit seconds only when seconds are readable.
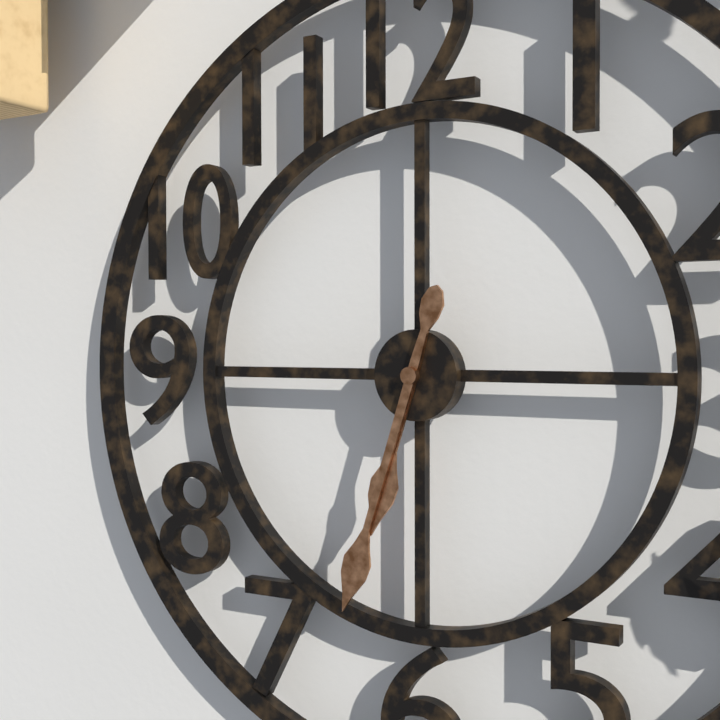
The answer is 6.33
